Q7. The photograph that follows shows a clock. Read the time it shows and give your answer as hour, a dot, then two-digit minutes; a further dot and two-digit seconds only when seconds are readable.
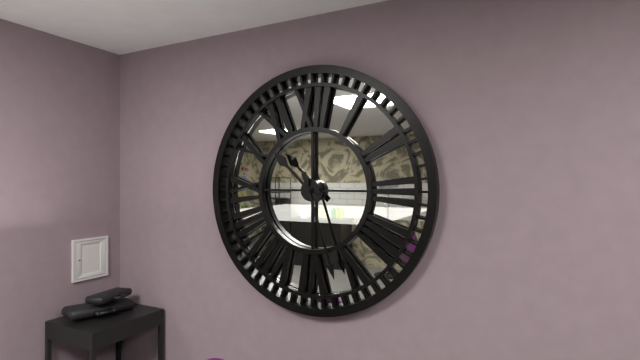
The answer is 10.27
